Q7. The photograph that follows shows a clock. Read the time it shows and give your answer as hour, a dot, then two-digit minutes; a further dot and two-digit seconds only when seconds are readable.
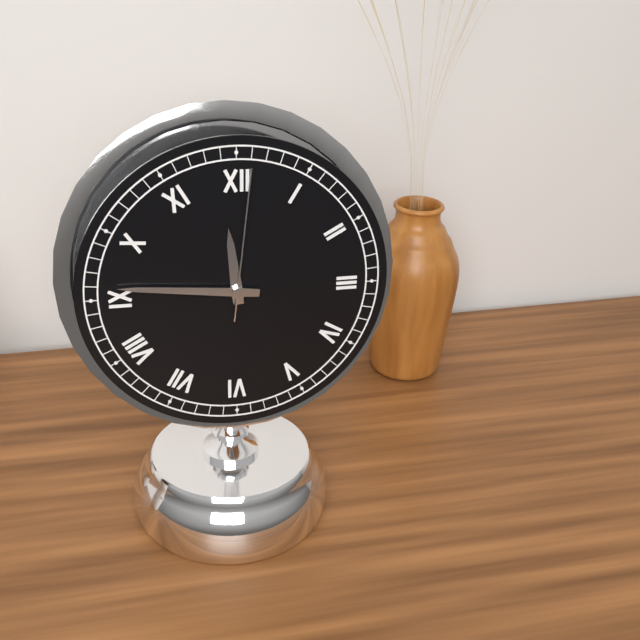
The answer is 11.46.01
